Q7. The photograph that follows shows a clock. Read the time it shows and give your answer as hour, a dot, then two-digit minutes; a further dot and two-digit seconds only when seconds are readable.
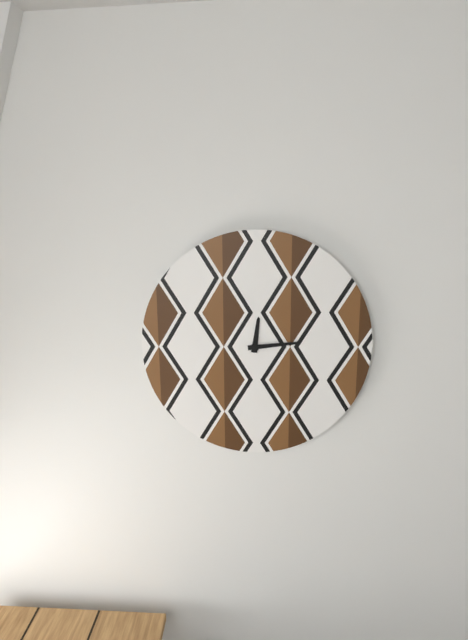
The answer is 12.14
